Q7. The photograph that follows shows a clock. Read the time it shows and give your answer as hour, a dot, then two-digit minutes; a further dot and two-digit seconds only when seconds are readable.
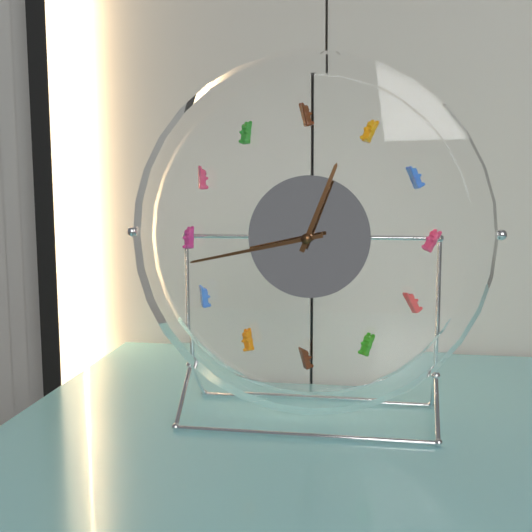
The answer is 12.43
